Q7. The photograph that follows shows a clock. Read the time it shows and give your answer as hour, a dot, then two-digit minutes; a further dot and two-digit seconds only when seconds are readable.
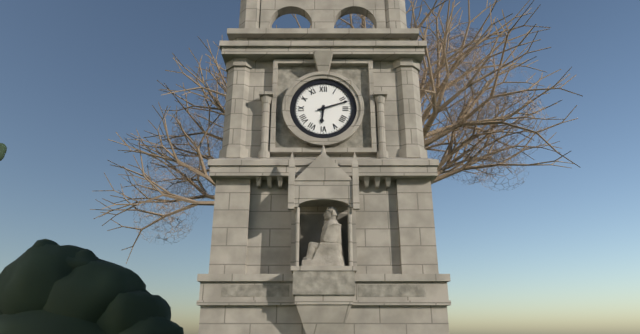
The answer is 6.12
